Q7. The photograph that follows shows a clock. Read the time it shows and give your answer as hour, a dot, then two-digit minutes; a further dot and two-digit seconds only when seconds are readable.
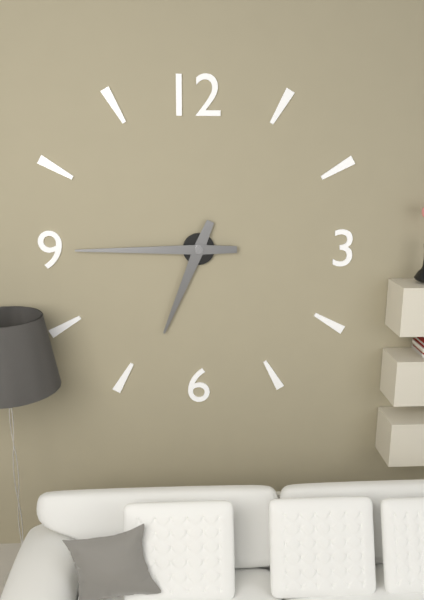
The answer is 6.45
